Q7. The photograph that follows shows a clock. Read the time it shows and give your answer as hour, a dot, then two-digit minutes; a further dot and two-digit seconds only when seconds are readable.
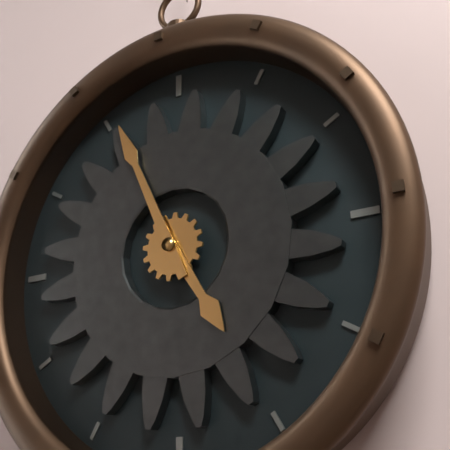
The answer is 4.56
